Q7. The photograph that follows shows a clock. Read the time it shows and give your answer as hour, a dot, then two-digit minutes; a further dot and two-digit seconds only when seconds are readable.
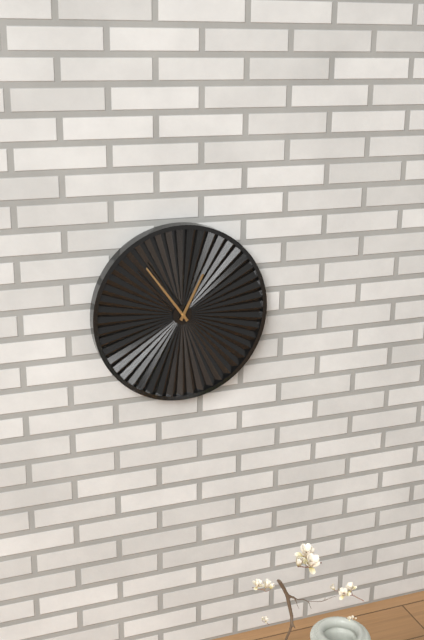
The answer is 12.54
